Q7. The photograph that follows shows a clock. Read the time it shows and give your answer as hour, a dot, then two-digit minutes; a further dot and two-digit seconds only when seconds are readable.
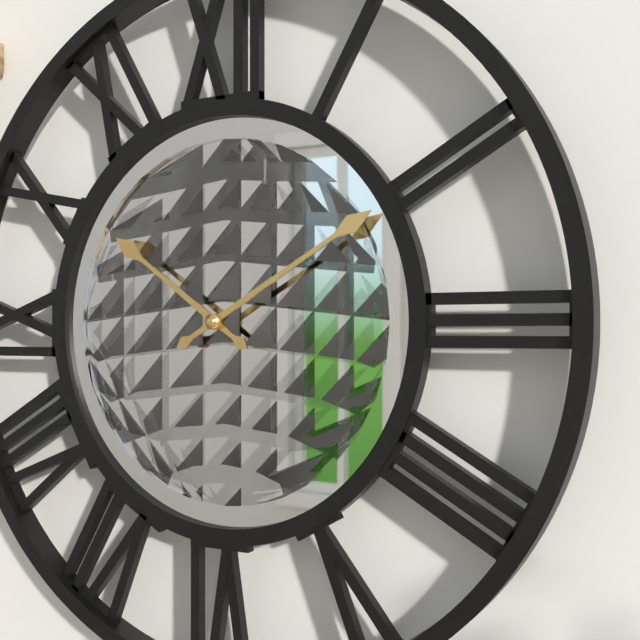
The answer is 10.10
